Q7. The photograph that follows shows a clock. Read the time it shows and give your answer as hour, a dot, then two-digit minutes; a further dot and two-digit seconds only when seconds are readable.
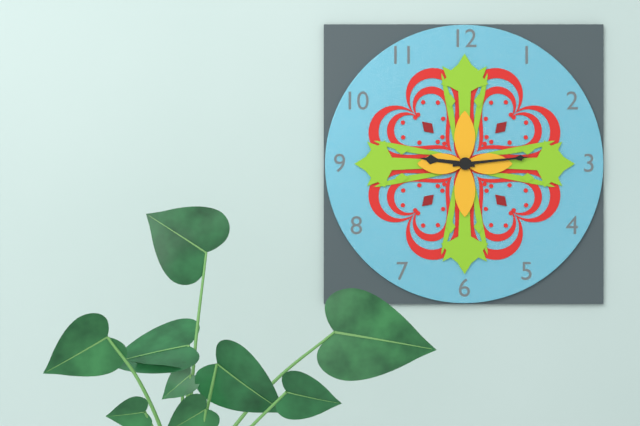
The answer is 9.14
